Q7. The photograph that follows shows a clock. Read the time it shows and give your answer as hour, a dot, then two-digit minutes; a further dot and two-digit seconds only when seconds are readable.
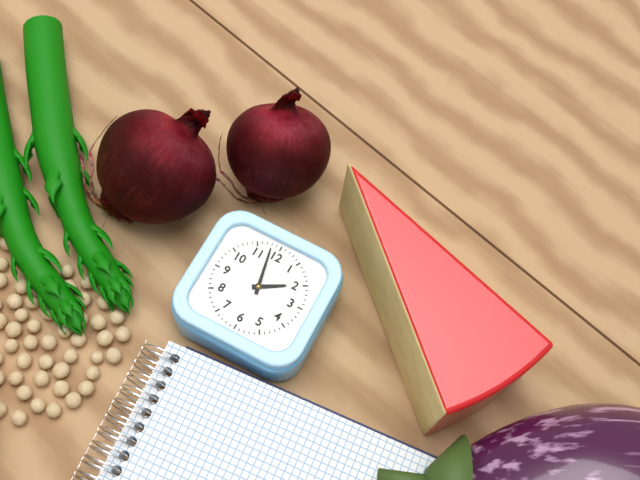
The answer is 1.58
